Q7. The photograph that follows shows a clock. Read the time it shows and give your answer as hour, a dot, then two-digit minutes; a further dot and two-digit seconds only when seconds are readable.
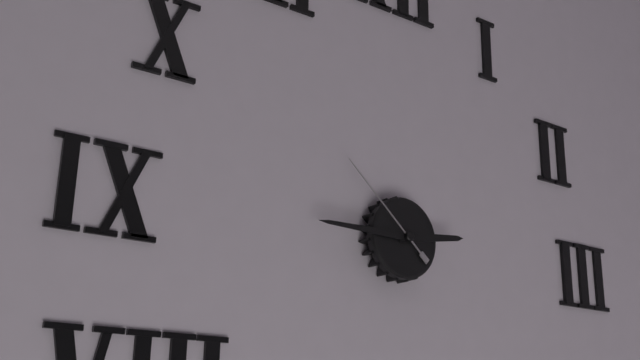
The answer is 2.45.52
